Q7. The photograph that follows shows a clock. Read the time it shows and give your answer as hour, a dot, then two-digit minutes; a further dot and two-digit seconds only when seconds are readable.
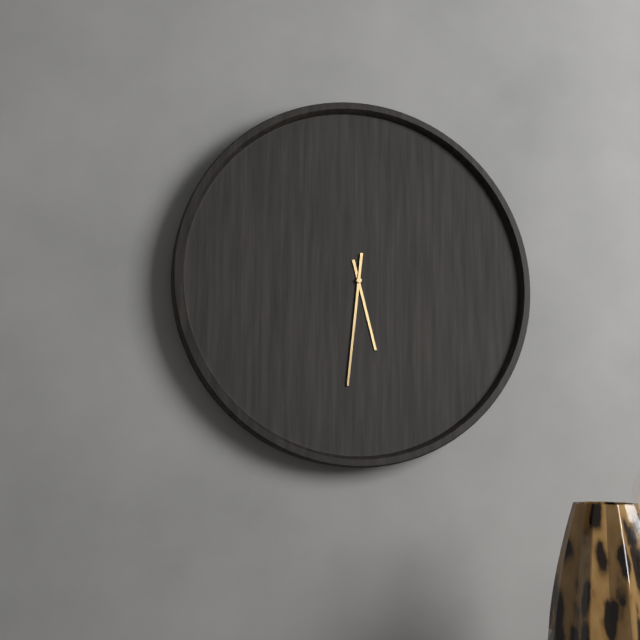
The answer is 5.31
